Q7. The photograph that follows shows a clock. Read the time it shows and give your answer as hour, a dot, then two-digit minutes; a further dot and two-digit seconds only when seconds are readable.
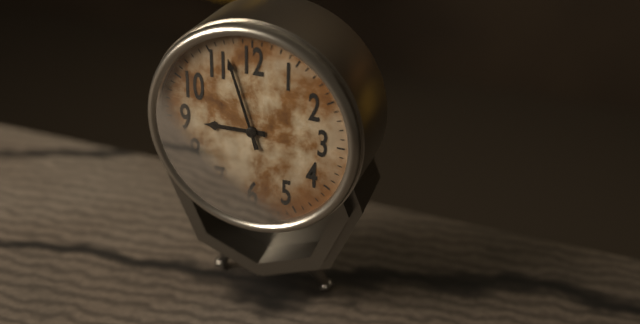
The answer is 8.57
